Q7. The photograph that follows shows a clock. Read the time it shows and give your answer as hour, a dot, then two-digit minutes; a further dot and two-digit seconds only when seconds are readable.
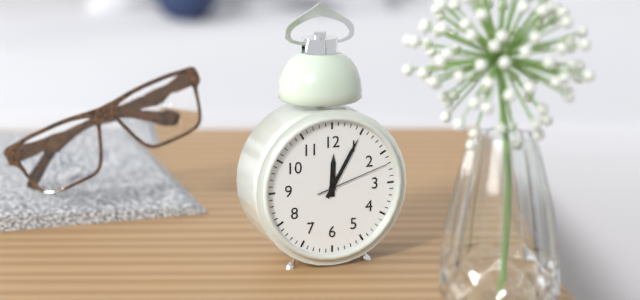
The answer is 12.05.12
